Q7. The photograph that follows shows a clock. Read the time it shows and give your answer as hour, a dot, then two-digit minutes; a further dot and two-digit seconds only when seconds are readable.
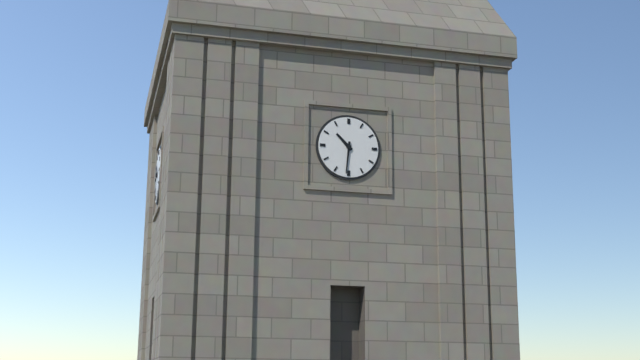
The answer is 10.31
